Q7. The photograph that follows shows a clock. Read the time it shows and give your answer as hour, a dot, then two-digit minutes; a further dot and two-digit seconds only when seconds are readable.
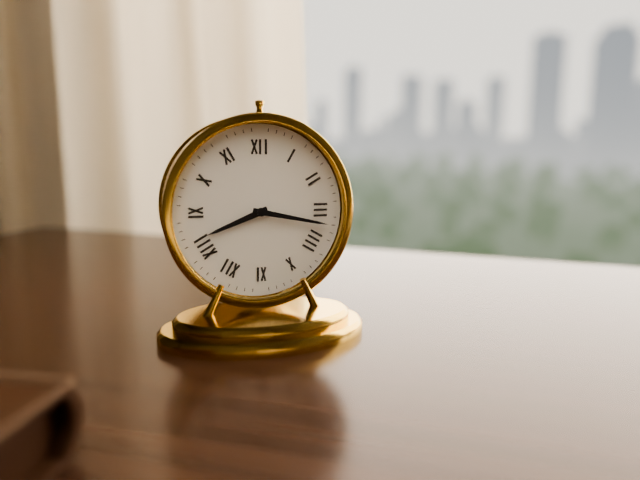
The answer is 8.17
